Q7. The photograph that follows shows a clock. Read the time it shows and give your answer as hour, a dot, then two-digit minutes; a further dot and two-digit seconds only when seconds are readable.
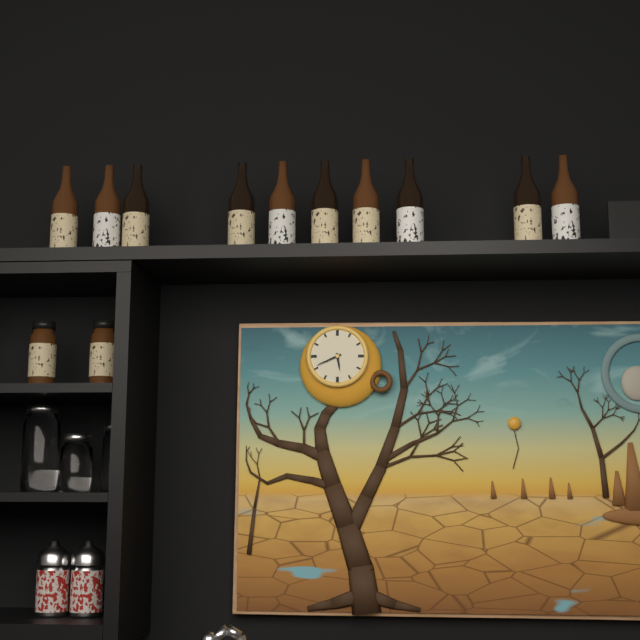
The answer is 5.41
